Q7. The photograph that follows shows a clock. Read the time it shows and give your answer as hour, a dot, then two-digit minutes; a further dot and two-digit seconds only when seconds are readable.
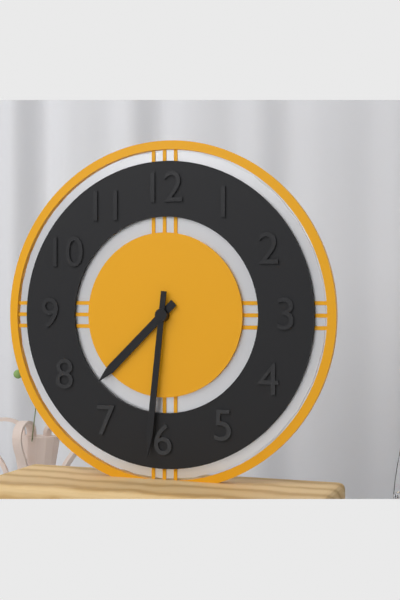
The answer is 7.31
